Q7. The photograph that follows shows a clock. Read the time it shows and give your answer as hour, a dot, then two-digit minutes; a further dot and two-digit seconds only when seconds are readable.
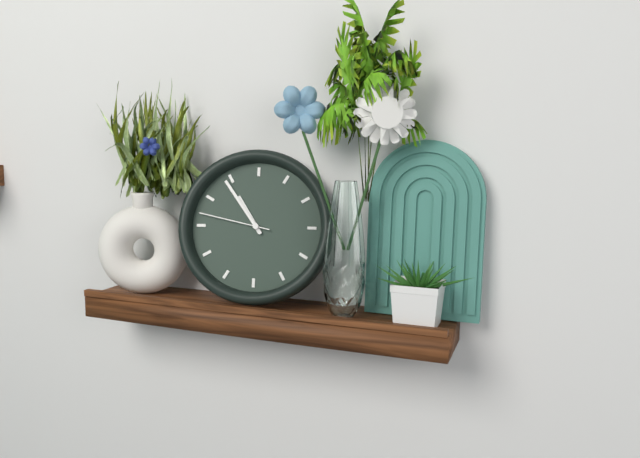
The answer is 10.54.47
